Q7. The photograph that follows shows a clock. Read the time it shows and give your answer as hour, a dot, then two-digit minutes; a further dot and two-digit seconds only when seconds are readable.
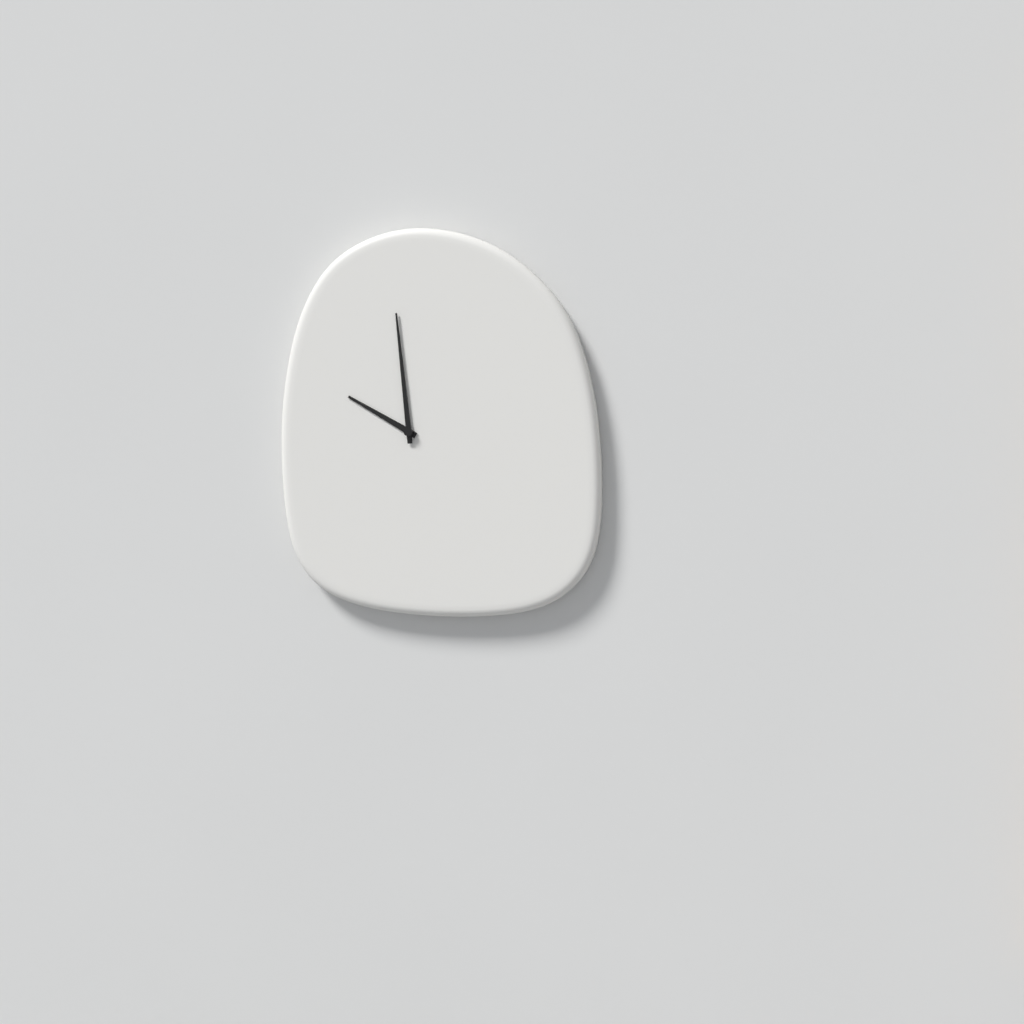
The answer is 9.59
